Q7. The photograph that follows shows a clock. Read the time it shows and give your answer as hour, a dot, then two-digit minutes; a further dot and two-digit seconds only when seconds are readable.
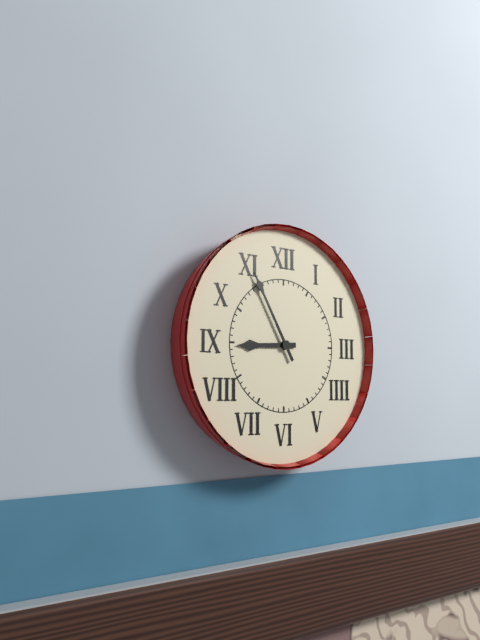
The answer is 8.55
